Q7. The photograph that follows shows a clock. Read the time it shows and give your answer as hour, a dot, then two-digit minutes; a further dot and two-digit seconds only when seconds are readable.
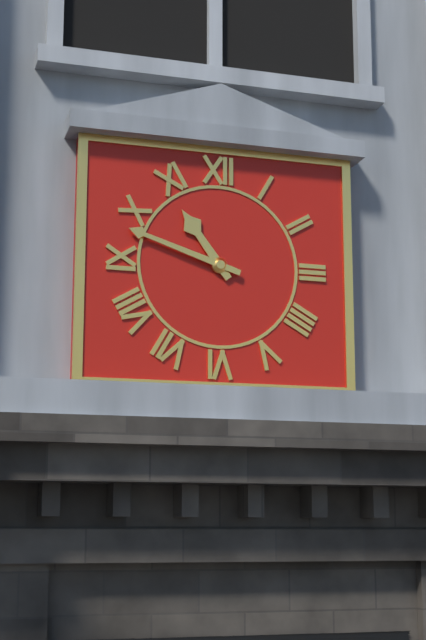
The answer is 10.48
